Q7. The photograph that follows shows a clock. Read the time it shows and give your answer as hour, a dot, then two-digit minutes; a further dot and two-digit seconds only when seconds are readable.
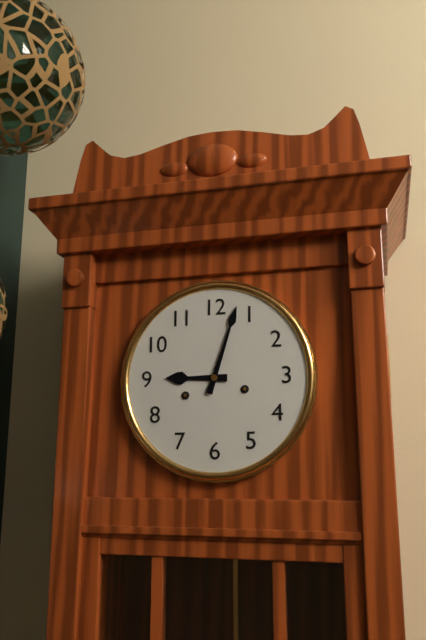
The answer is 9.03
